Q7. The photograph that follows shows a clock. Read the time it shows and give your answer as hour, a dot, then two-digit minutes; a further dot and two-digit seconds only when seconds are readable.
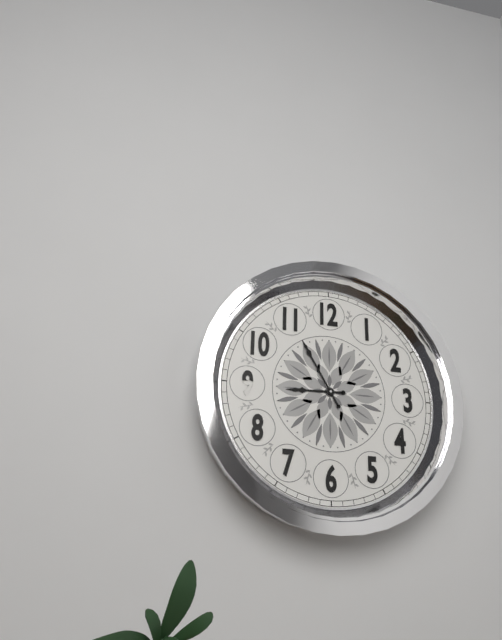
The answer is 8.55
